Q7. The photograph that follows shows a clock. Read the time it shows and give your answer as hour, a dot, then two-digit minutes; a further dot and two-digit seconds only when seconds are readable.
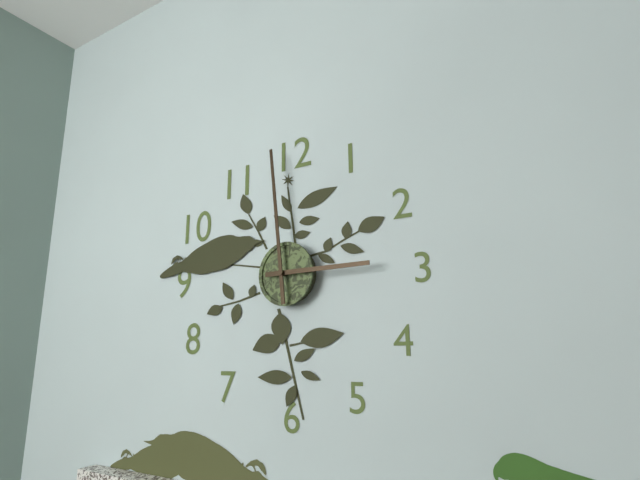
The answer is 2.59
